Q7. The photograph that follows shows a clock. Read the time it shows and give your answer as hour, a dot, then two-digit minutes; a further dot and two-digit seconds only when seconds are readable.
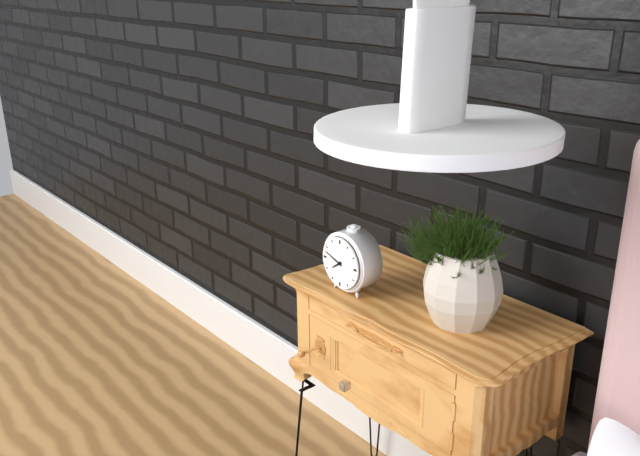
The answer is 7.48
